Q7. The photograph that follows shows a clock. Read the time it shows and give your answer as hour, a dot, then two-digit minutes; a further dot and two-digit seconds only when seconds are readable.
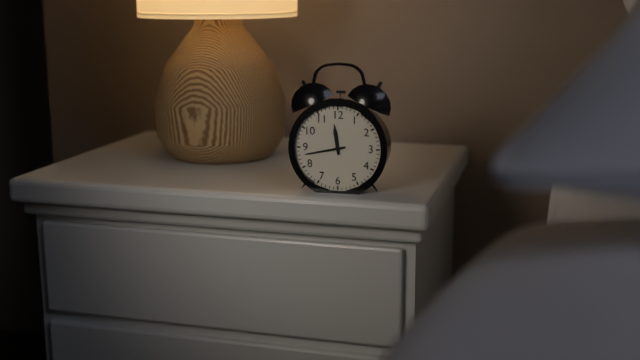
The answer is 11.43
